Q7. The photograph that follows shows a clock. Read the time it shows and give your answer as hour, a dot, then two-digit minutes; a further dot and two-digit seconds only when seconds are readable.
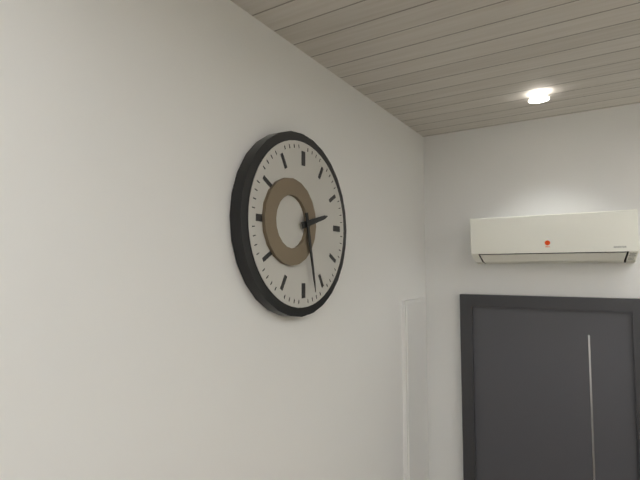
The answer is 2.28
